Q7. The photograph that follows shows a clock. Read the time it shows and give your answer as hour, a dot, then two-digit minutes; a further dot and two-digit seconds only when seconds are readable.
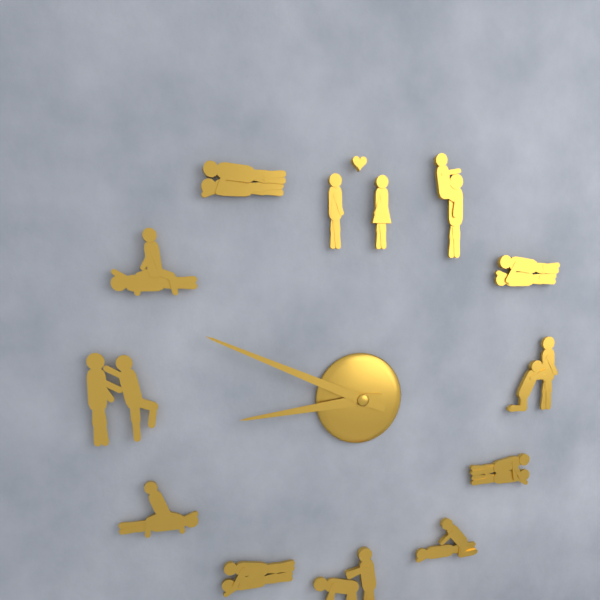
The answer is 8.49
